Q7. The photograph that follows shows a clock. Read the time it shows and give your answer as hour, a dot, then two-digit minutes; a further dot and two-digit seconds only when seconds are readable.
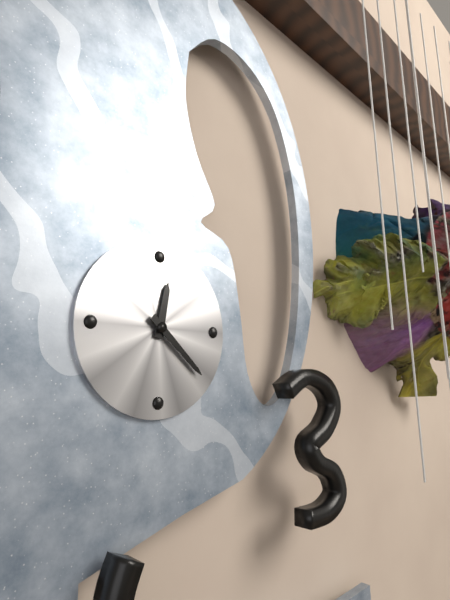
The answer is 12.22
